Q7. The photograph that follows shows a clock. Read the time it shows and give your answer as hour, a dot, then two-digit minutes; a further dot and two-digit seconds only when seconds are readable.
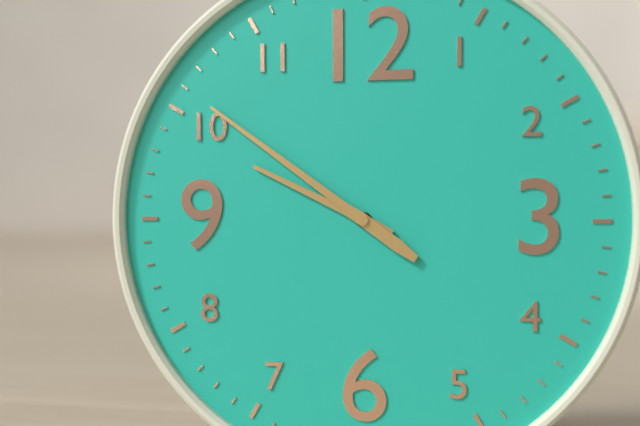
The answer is 9.51
